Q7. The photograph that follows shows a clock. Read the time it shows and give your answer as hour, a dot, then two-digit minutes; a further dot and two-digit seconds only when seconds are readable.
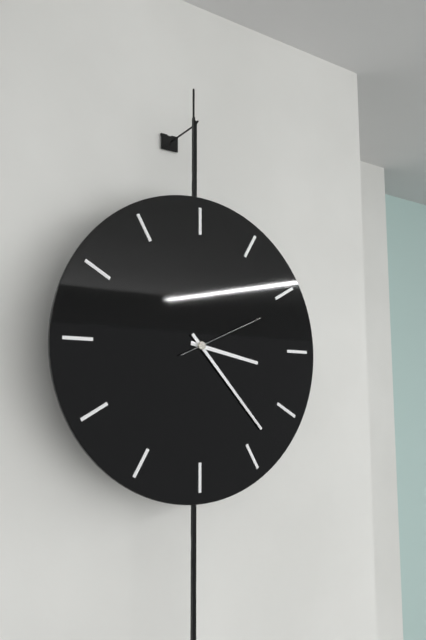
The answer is 3.23.11
